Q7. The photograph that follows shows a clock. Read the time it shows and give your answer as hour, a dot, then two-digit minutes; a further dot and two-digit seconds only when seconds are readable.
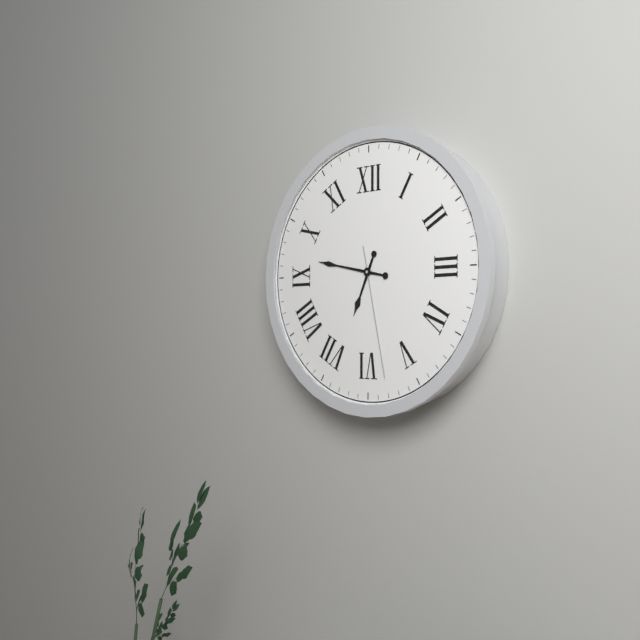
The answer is 6.47.28
